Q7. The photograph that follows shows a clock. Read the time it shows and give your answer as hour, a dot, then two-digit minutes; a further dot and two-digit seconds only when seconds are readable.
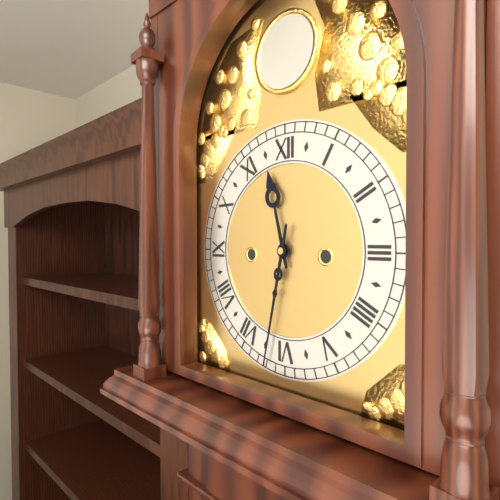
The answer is 11.32
